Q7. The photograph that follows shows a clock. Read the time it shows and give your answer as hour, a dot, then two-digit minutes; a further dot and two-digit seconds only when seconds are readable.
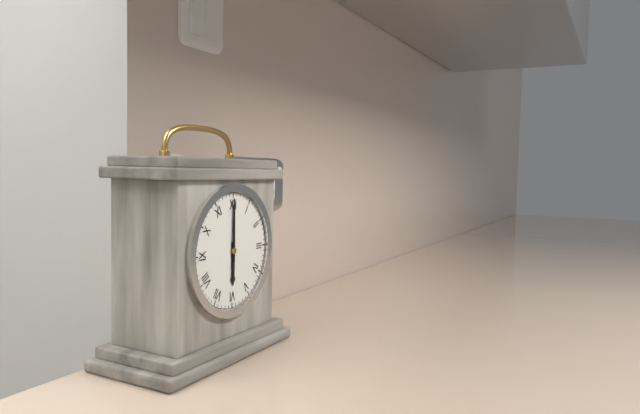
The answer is 6.00
